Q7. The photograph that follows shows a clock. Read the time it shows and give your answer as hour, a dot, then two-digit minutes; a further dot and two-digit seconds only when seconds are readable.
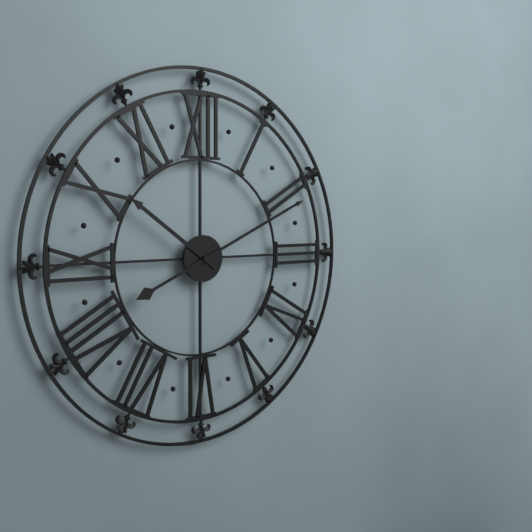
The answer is 10.11
